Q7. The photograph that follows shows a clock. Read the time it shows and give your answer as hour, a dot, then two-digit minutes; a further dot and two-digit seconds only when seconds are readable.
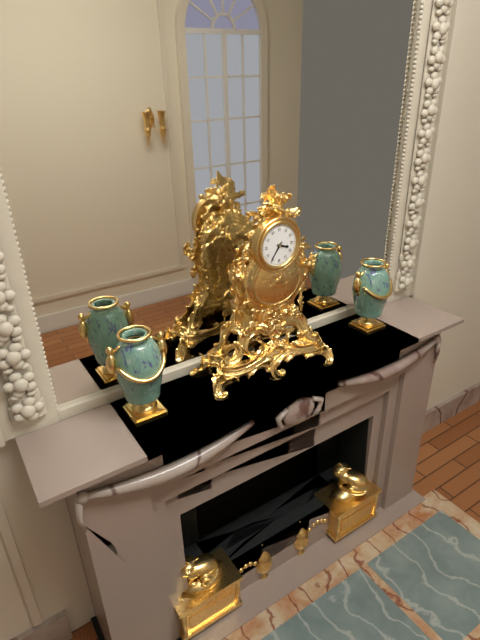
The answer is 3.36
